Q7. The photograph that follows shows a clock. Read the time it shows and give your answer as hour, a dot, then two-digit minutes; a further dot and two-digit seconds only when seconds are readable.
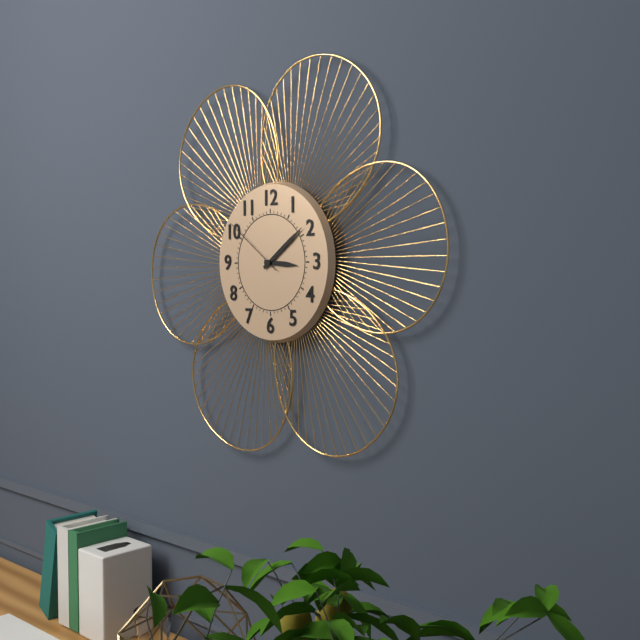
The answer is 3.09.51
